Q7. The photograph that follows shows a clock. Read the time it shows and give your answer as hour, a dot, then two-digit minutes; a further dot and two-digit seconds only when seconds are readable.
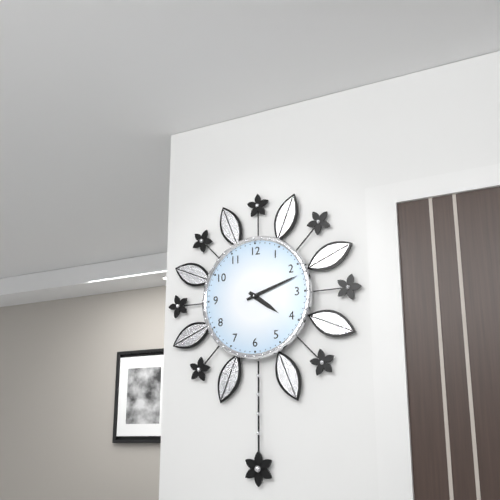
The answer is 4.12
